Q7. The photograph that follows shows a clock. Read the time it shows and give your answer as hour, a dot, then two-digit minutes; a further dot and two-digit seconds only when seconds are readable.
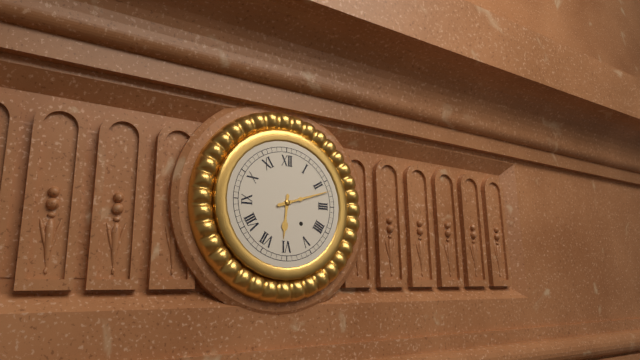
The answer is 6.12
